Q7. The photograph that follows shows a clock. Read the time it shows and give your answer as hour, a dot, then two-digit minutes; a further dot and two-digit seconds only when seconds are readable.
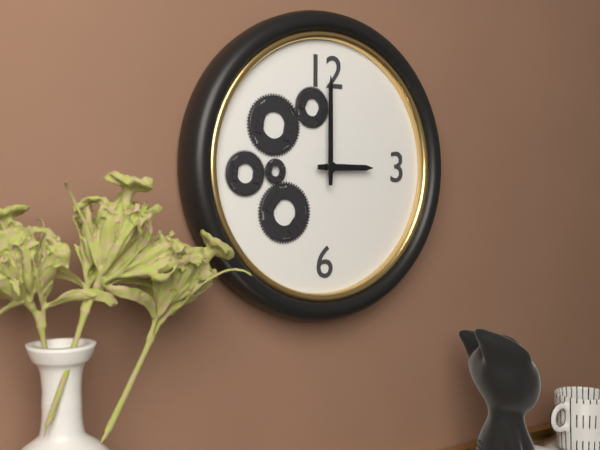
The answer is 3.00
